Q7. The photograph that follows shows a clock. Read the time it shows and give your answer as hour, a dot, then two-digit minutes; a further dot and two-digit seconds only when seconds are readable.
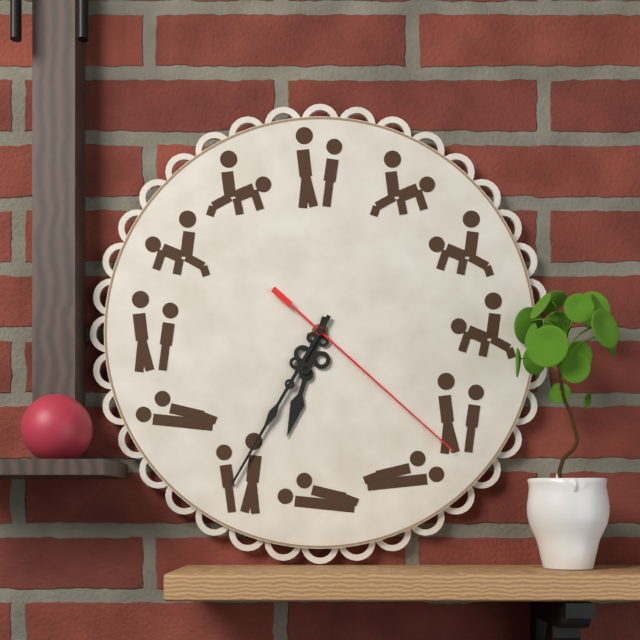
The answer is 6.35.22
